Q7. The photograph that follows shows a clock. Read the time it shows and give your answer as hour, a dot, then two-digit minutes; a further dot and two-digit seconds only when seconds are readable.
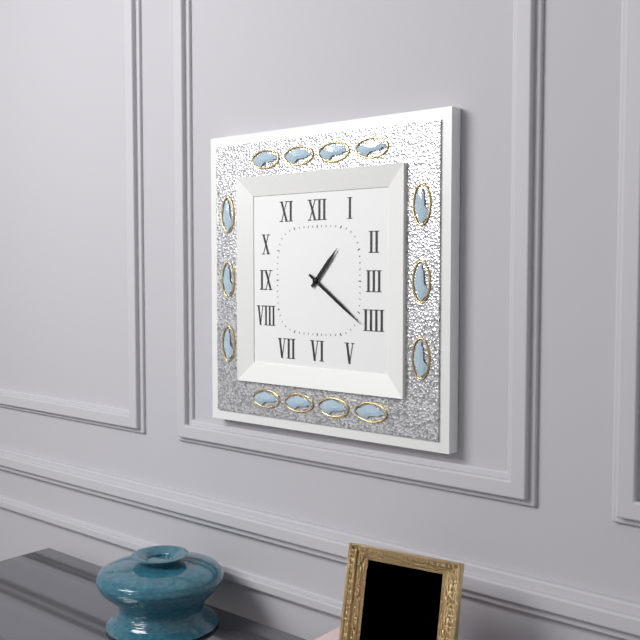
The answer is 1.21
